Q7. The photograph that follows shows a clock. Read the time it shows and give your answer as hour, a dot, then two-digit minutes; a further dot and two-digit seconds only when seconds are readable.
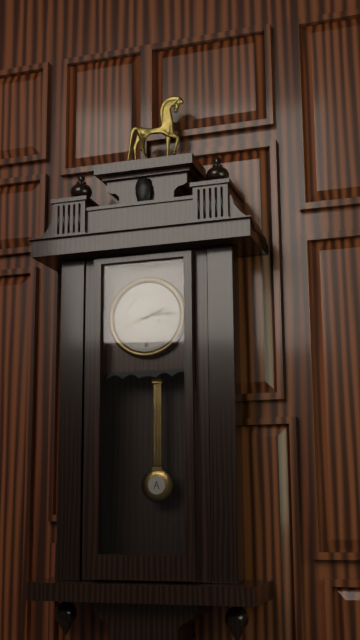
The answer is 2.14
